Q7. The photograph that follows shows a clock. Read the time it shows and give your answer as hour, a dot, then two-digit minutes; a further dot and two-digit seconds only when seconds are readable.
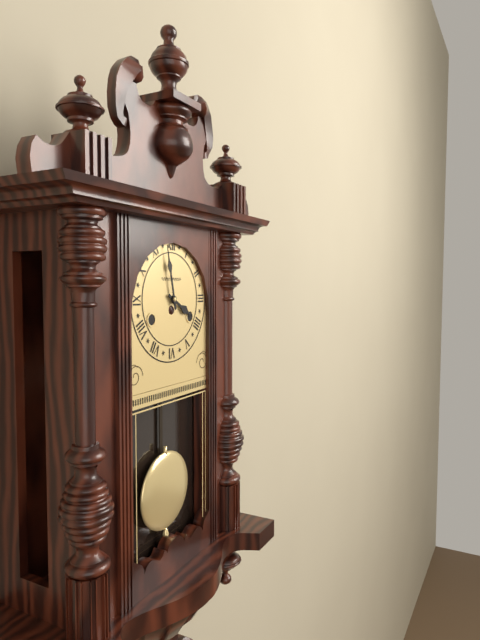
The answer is 3.58
